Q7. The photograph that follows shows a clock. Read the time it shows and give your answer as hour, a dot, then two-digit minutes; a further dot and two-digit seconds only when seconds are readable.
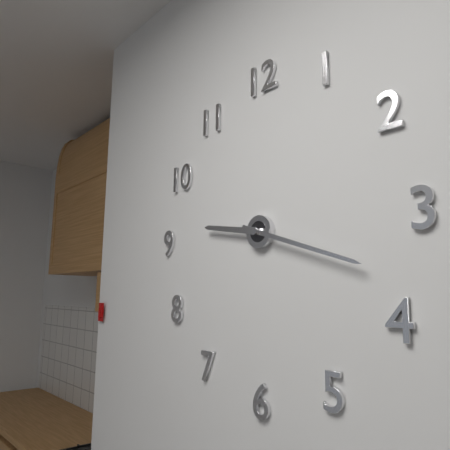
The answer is 9.18
